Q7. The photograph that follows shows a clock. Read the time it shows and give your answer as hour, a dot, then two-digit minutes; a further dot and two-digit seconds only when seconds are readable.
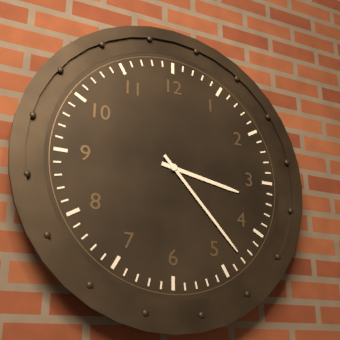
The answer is 3.23
